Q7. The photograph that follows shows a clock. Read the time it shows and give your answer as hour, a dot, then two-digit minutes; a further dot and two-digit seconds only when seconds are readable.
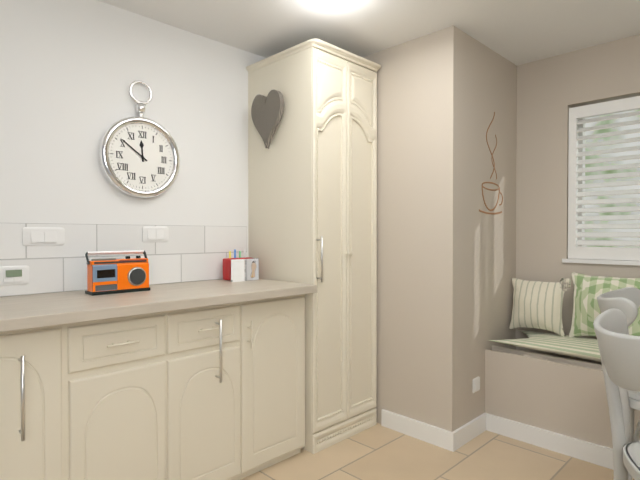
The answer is 11.51
